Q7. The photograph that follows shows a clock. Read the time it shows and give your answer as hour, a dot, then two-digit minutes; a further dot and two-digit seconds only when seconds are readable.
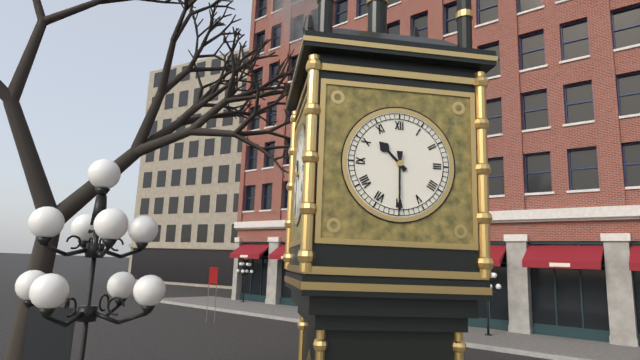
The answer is 10.30
